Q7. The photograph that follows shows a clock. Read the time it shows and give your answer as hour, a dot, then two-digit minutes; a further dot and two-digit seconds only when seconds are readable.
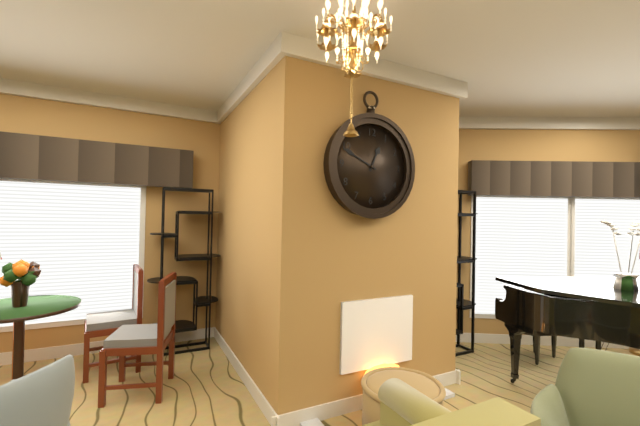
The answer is 12.49
